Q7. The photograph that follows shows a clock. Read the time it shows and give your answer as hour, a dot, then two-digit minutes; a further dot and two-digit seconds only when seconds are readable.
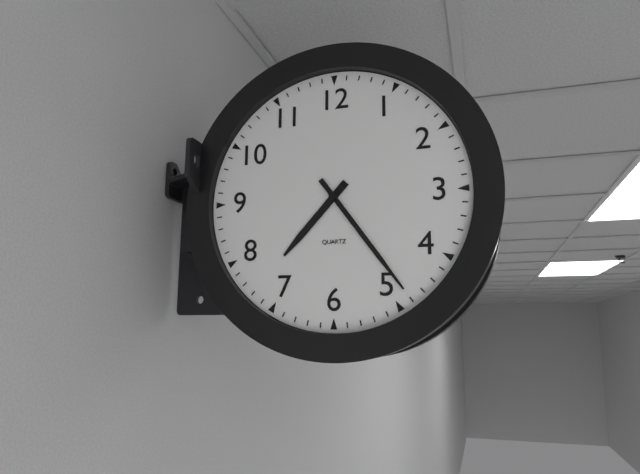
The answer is 7.24
